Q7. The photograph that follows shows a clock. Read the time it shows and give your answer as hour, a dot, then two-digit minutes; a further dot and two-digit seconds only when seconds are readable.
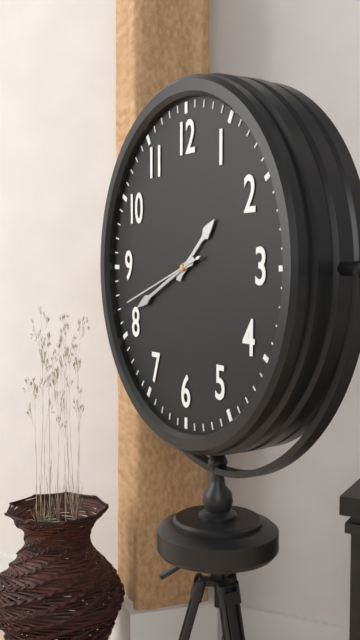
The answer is 1.41.42
